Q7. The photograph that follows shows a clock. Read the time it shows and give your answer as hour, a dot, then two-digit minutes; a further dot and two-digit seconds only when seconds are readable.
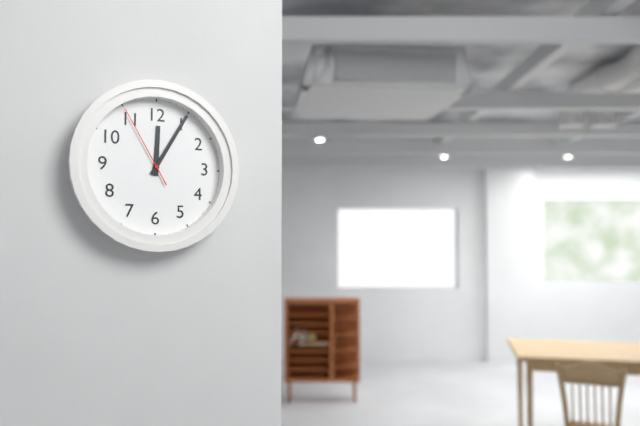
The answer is 12.05.55
